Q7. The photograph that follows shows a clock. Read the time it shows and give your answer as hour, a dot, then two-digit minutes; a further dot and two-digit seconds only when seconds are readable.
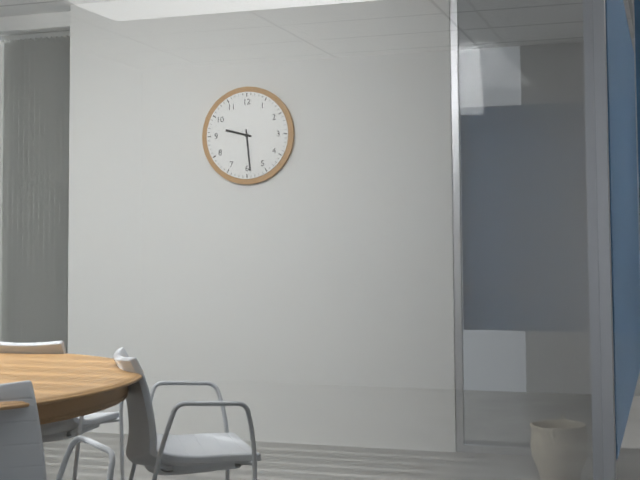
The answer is 9.29
